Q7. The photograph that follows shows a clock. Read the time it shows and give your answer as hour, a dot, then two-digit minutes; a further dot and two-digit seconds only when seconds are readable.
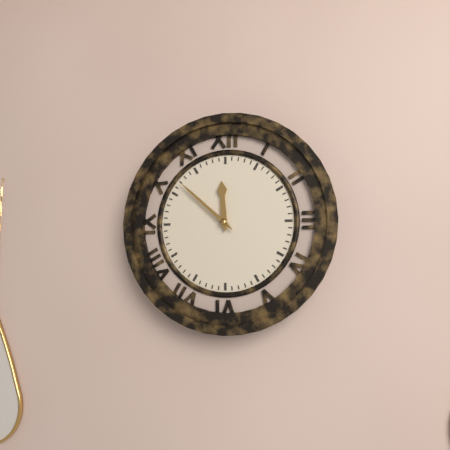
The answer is 11.52
